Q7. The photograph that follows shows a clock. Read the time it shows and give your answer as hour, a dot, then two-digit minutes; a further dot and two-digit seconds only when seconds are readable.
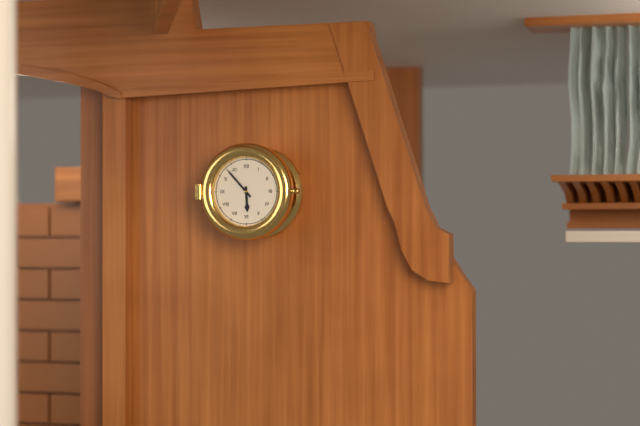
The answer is 5.53
